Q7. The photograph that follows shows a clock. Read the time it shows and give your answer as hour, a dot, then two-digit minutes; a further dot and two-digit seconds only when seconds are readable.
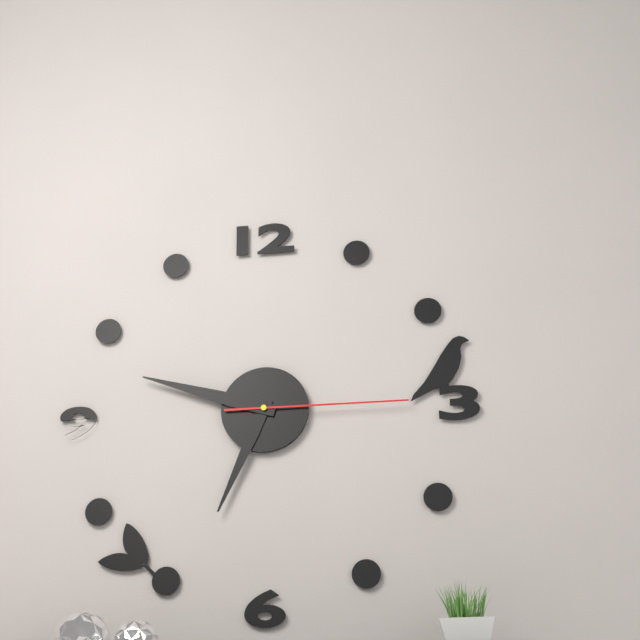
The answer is 6.48.15
